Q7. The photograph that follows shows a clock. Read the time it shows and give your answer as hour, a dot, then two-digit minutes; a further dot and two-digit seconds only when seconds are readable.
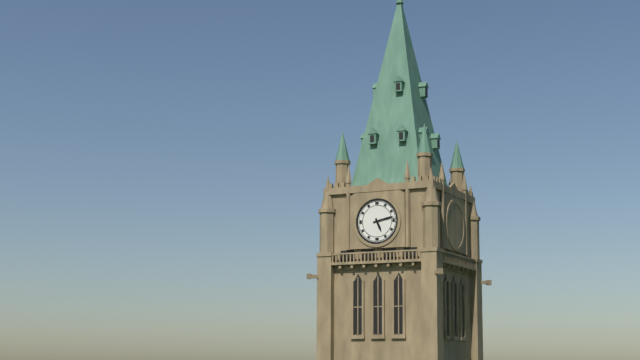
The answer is 5.13
